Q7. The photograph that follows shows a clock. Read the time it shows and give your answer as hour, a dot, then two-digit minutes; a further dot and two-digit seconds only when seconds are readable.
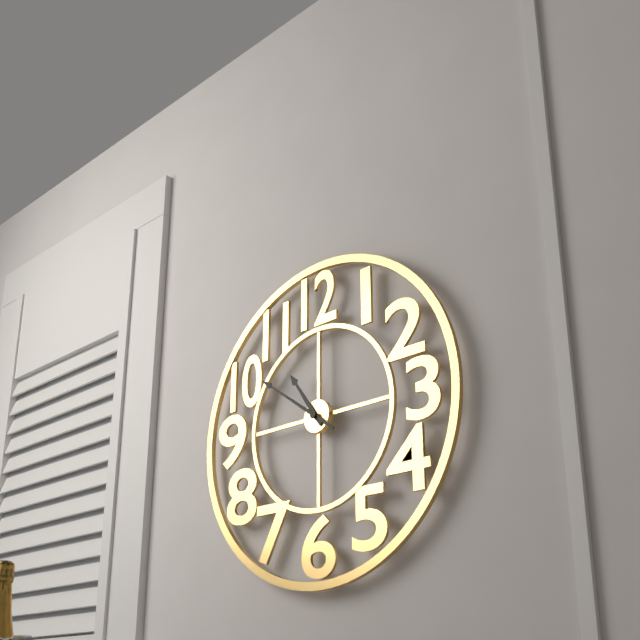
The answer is 10.51
